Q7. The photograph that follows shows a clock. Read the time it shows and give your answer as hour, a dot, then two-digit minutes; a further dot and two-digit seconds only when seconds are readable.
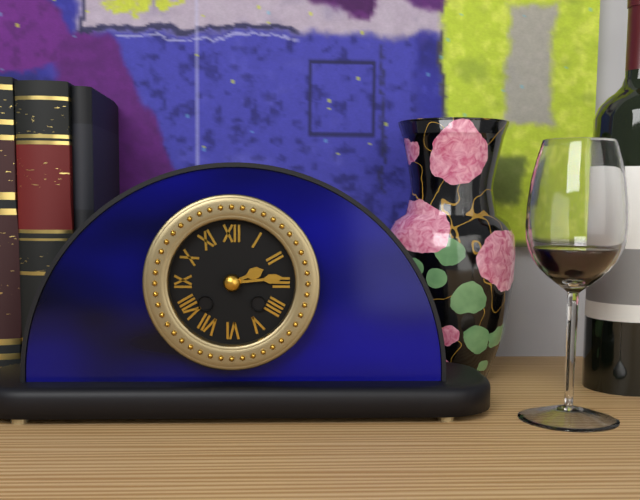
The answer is 2.14
